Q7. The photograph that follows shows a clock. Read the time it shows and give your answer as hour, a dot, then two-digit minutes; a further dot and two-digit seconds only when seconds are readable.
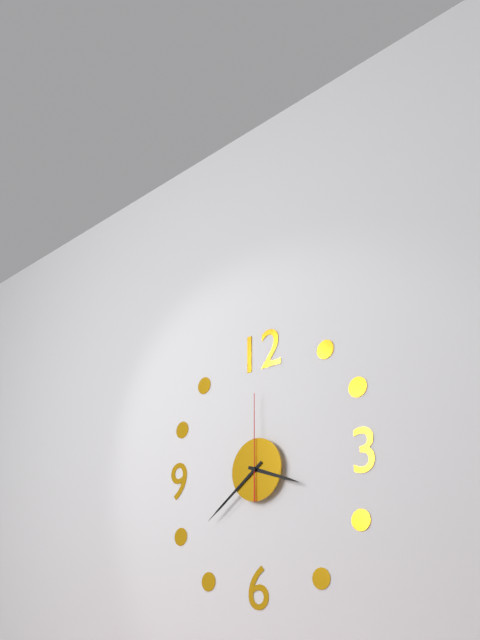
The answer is 3.39.00
